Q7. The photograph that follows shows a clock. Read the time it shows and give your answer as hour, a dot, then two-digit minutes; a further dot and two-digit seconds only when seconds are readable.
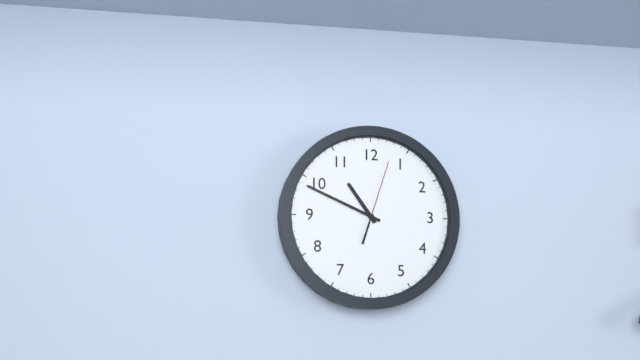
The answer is 10.49.03
